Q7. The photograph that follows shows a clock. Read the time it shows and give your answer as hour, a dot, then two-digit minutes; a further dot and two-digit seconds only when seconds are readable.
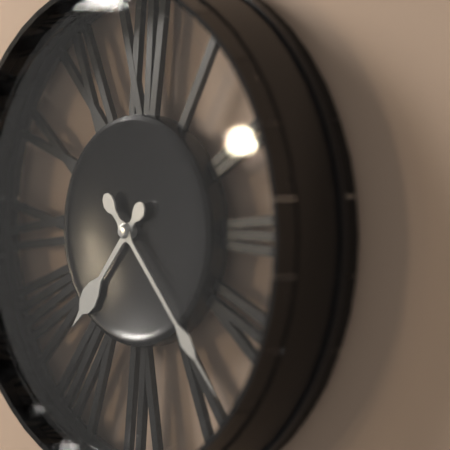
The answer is 7.23
